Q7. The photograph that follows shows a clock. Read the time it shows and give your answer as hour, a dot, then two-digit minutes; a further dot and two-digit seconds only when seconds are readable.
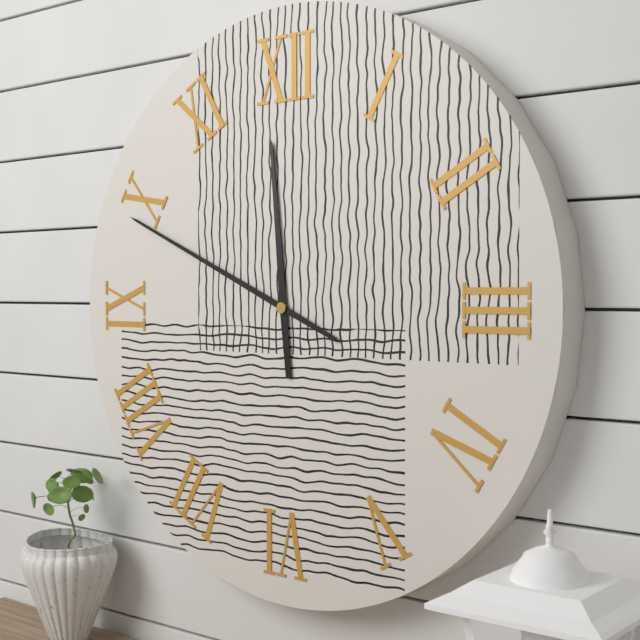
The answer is 11.49
